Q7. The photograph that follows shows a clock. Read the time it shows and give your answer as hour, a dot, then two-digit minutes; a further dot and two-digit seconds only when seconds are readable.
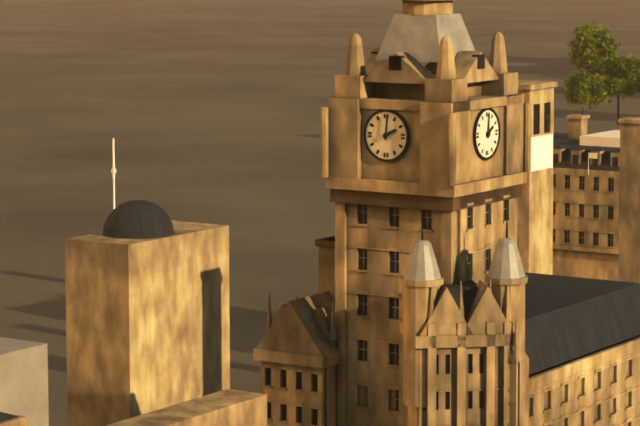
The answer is 2.01
